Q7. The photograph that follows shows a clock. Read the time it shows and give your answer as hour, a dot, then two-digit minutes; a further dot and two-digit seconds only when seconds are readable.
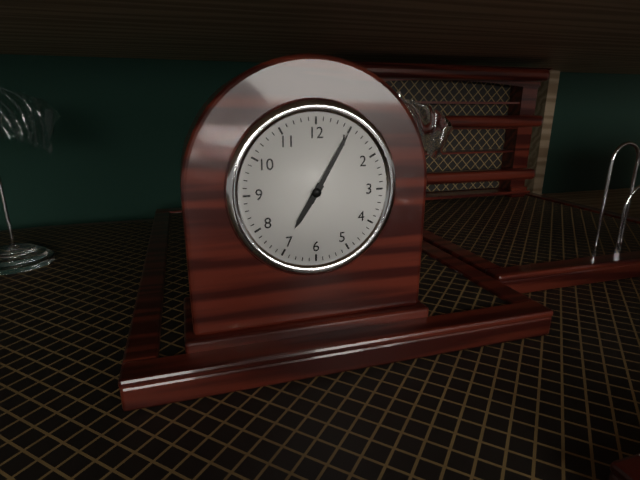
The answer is 7.05
